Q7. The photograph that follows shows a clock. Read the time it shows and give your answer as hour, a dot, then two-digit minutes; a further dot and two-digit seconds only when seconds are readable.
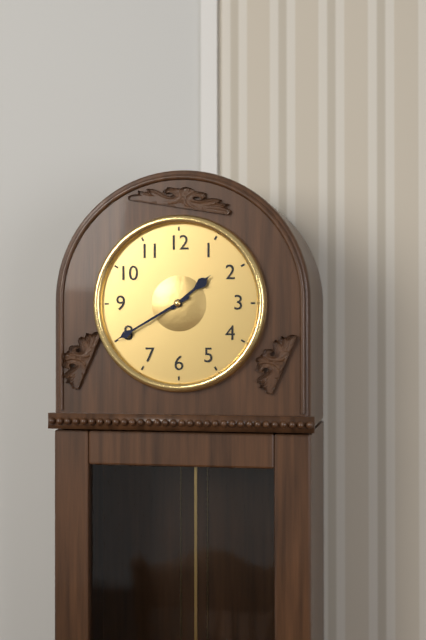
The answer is 1.40
